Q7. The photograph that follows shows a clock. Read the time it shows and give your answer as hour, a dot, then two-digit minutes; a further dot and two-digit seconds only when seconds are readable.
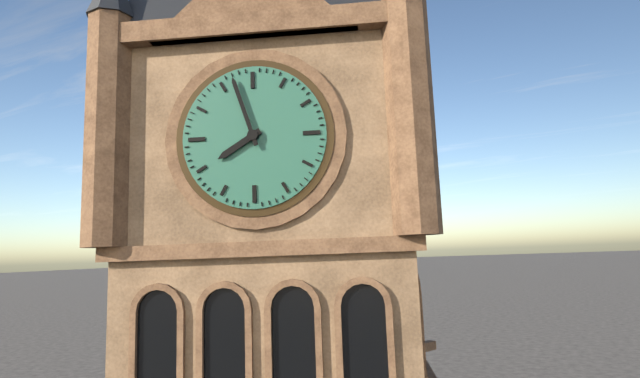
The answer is 7.57
